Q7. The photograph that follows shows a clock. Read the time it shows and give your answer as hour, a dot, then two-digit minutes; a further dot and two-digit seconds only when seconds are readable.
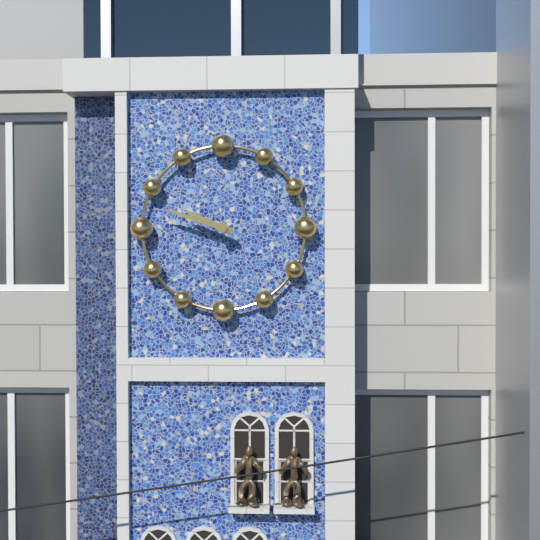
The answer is 9.48
